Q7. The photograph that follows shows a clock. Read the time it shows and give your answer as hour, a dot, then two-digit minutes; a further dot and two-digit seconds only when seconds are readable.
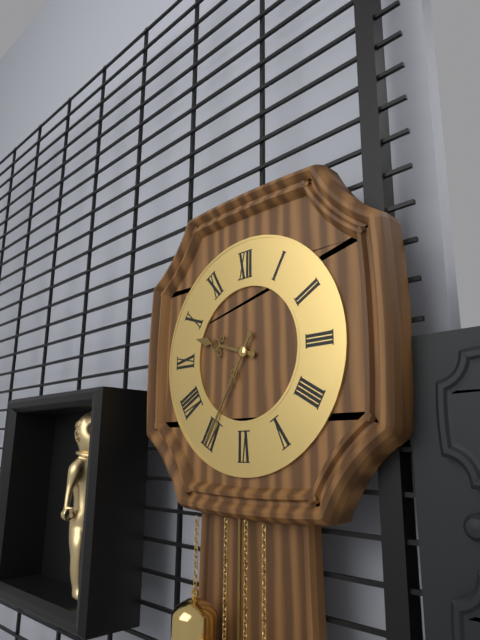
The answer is 9.35
